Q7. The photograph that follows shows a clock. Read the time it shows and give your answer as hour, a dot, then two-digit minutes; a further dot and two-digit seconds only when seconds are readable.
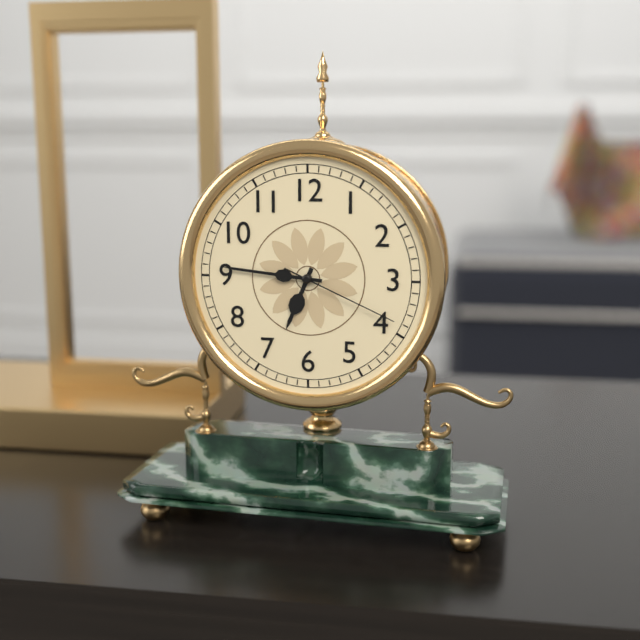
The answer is 6.46.19
